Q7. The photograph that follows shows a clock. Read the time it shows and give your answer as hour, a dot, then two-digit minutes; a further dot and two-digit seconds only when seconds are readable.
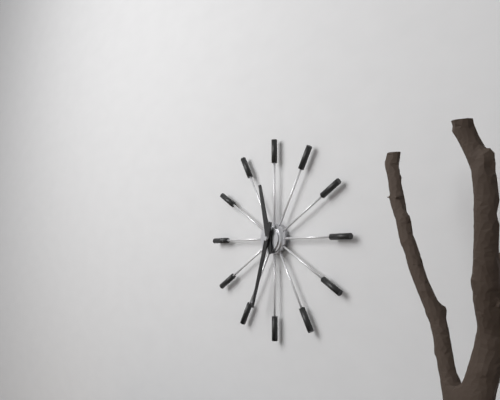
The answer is 11.33
